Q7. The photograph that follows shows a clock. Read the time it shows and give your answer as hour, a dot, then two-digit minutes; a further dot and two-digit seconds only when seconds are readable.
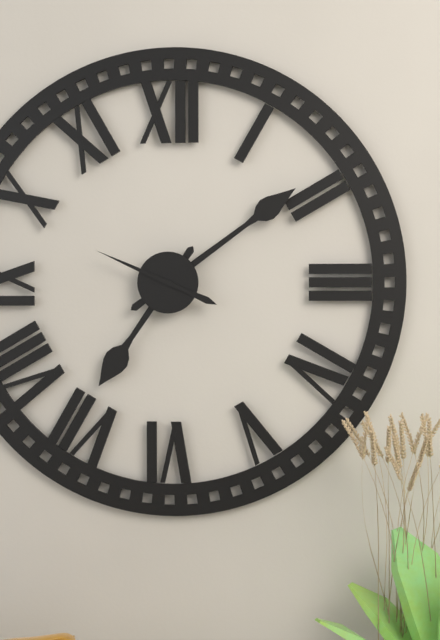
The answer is 7.09.49
